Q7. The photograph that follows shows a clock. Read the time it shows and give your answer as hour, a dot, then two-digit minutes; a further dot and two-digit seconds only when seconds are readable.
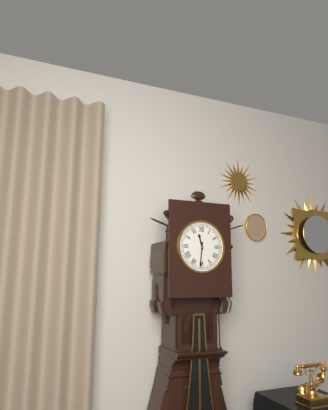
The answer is 11.31
